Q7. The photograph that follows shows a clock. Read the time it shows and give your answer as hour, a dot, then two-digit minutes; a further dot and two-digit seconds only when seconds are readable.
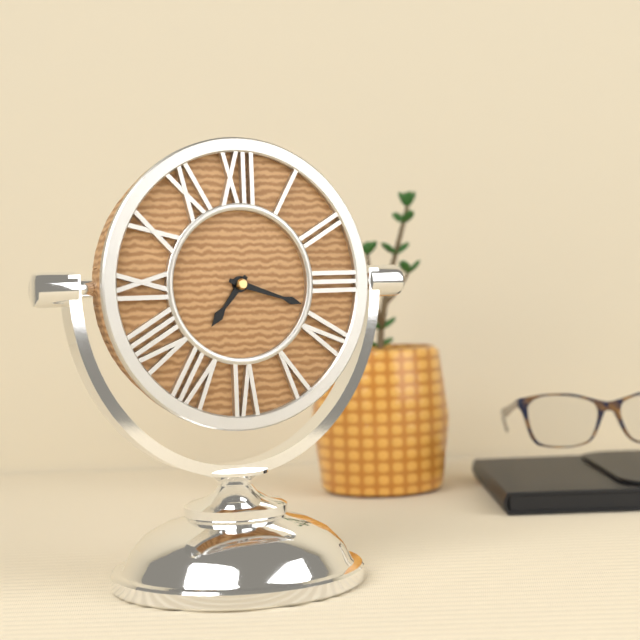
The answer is 7.18
